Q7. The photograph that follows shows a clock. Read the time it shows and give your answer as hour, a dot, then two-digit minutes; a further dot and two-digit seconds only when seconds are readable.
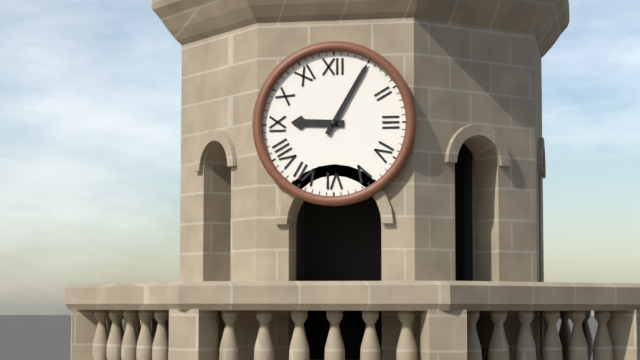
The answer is 9.05
